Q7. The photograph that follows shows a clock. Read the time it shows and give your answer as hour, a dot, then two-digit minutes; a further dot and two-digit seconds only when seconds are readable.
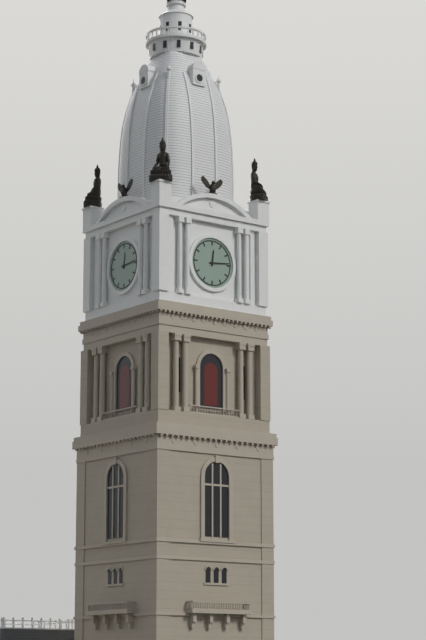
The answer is 12.14
